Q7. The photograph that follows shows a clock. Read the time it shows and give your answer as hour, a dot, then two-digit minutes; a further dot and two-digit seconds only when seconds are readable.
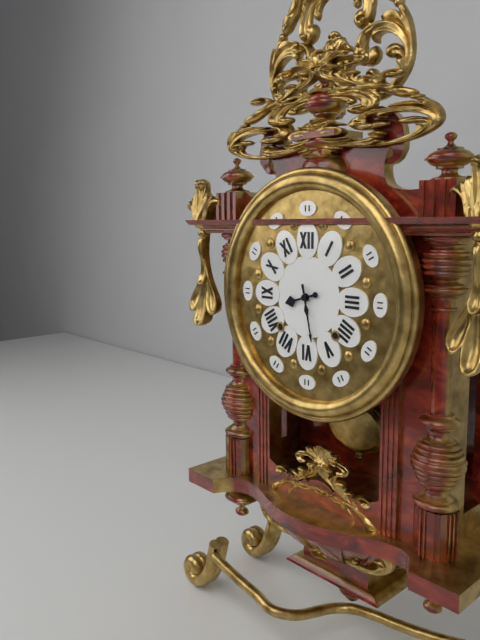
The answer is 8.28
